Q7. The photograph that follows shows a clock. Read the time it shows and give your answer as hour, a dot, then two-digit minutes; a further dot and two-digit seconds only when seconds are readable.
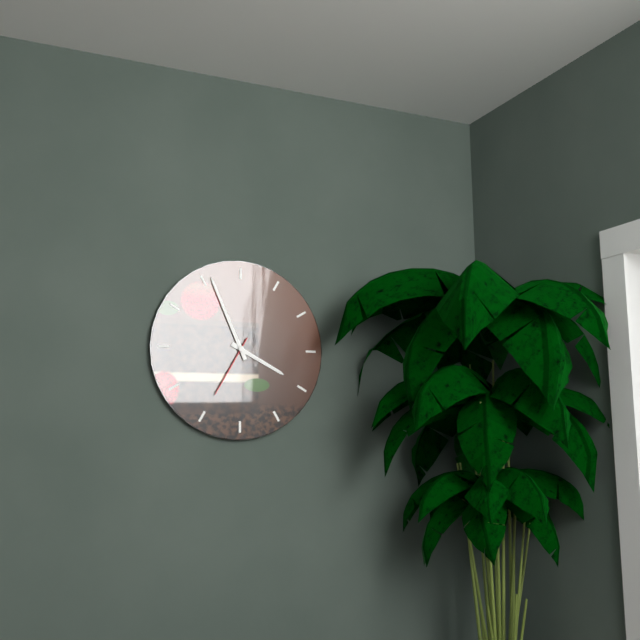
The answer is 3.56.35
